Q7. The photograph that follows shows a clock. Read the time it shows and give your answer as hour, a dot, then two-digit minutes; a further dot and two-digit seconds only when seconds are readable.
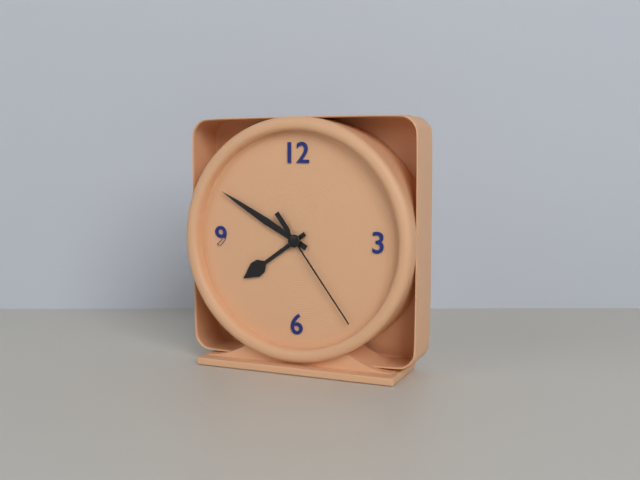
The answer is 7.50.24
